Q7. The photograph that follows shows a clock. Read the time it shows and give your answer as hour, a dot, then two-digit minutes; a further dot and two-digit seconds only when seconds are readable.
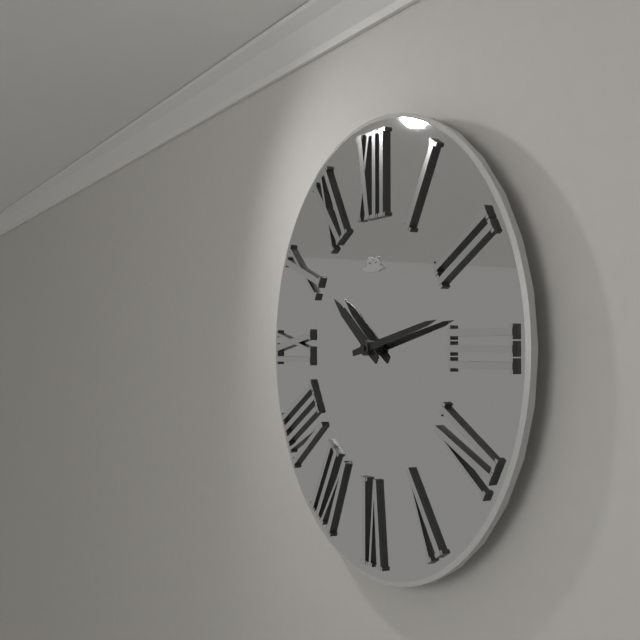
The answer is 10.13
